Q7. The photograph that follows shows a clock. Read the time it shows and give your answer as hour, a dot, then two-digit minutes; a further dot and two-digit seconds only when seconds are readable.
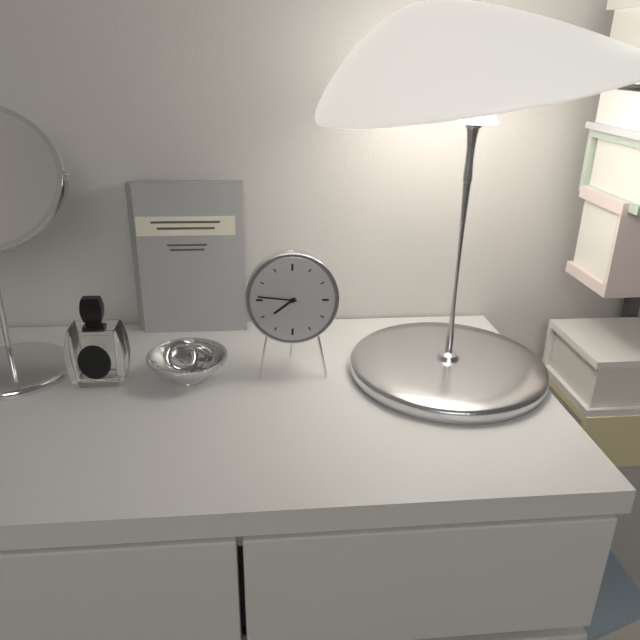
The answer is 7.46
